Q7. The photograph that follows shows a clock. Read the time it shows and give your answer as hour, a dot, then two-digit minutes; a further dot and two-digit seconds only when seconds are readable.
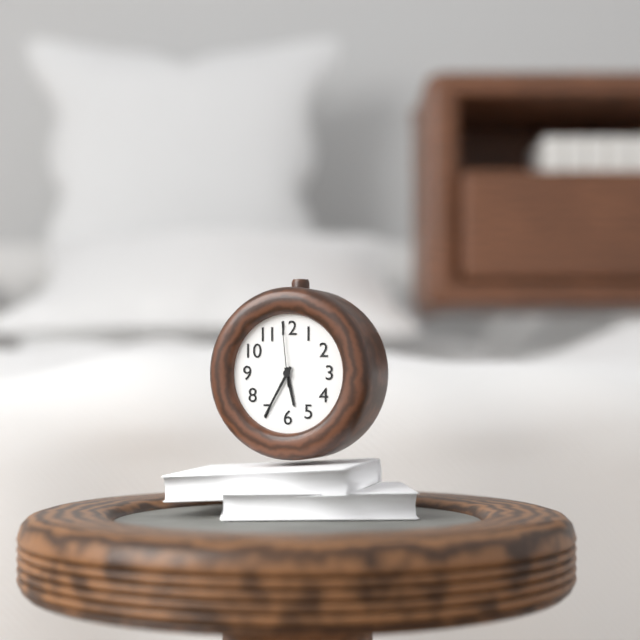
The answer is 5.35.59
